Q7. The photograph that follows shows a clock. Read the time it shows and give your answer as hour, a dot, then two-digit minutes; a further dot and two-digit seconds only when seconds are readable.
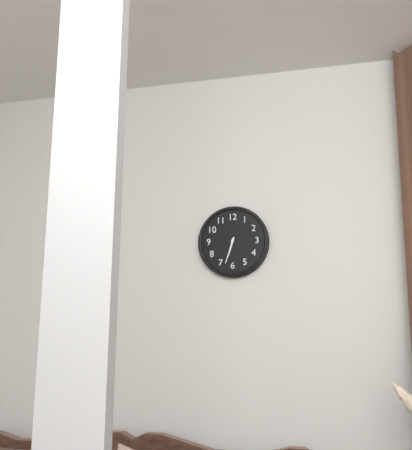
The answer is 6.33
